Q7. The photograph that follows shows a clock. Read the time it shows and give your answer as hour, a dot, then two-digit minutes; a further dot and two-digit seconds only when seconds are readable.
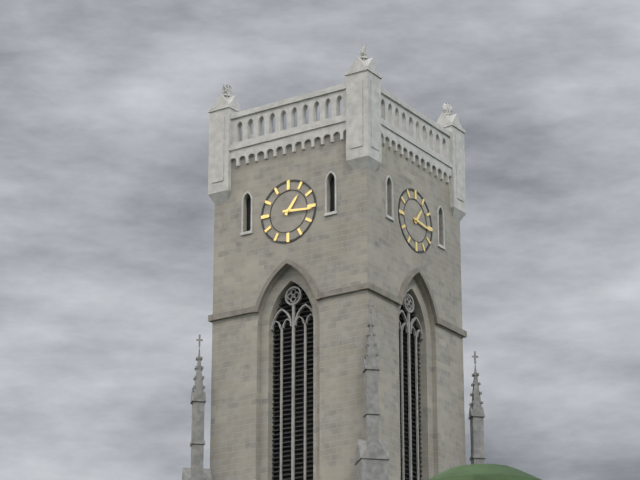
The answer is 1.16
